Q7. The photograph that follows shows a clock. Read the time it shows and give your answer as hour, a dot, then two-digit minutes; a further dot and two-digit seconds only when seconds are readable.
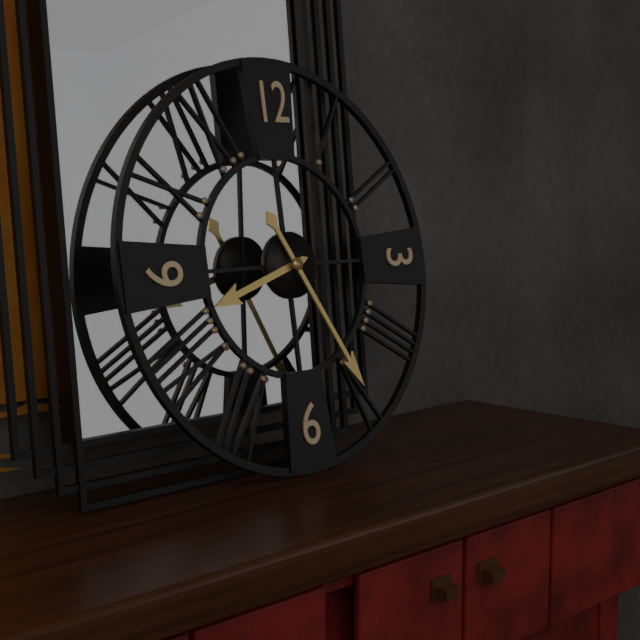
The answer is 8.25
